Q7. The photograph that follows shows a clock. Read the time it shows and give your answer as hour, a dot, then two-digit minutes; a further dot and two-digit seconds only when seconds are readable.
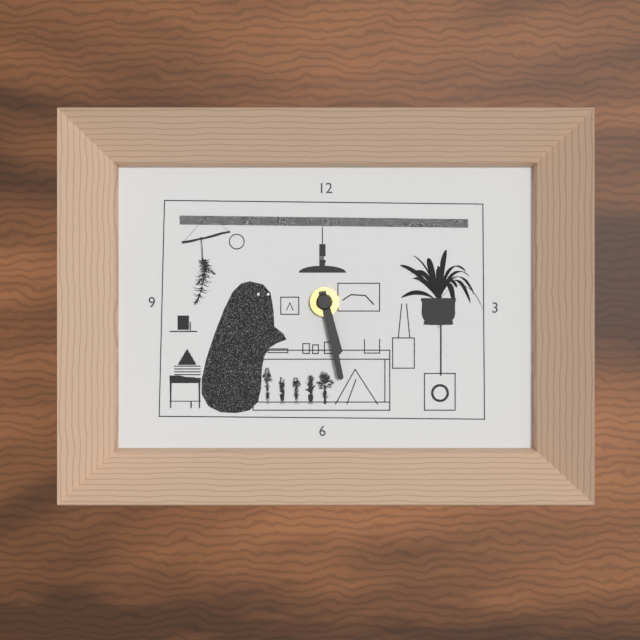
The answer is 5.28
